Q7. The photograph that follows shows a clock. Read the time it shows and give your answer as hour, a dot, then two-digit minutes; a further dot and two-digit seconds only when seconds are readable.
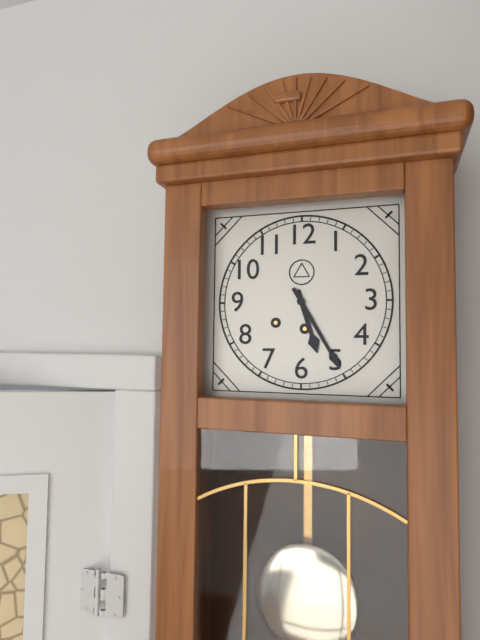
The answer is 5.25
